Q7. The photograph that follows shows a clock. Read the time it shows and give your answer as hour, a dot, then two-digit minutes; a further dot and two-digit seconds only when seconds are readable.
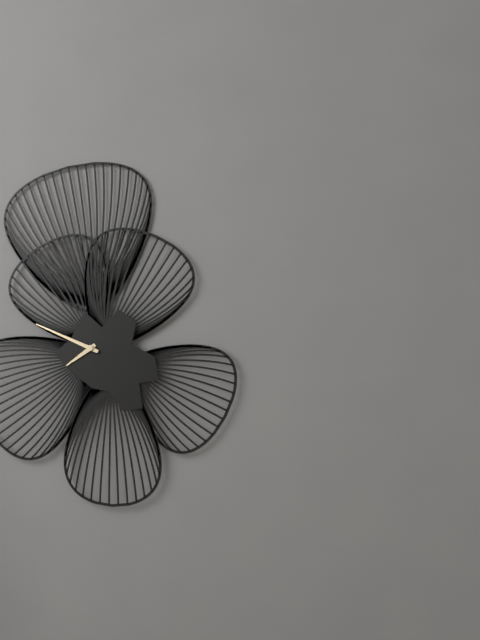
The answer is 7.49
